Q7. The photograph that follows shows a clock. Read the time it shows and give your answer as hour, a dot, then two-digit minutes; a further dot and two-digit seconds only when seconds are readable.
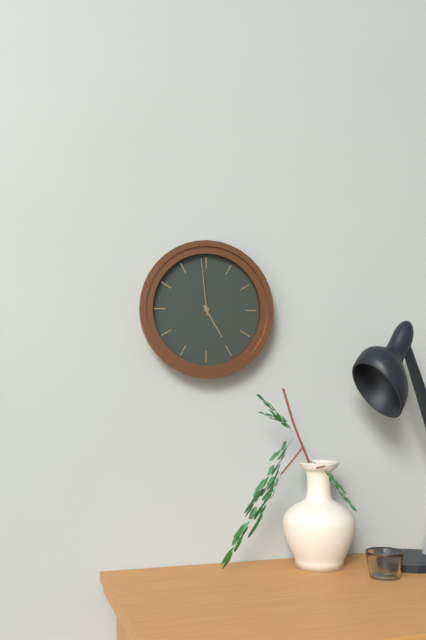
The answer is 4.59
